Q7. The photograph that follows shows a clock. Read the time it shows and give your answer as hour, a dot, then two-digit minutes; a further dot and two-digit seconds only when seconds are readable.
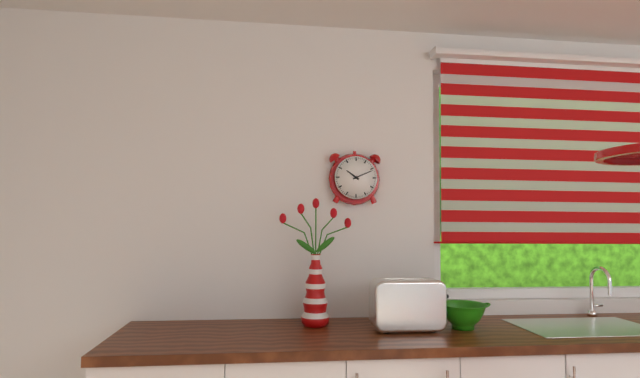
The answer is 10.11
